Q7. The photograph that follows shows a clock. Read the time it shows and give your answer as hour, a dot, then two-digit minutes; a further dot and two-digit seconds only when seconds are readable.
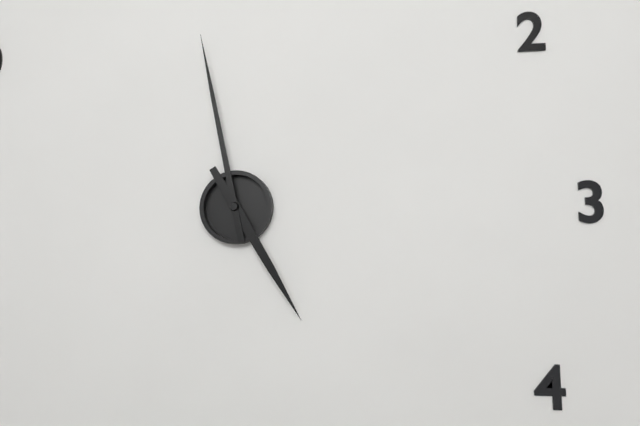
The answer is 4.58
